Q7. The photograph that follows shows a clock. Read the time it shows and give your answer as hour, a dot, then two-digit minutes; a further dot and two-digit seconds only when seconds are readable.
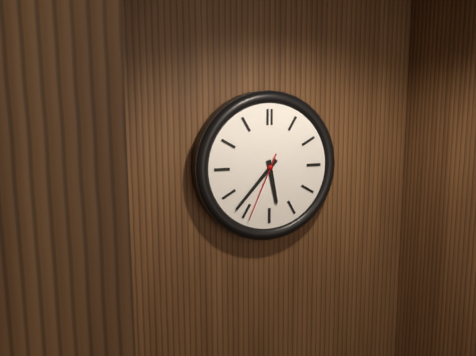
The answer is 5.37.34
